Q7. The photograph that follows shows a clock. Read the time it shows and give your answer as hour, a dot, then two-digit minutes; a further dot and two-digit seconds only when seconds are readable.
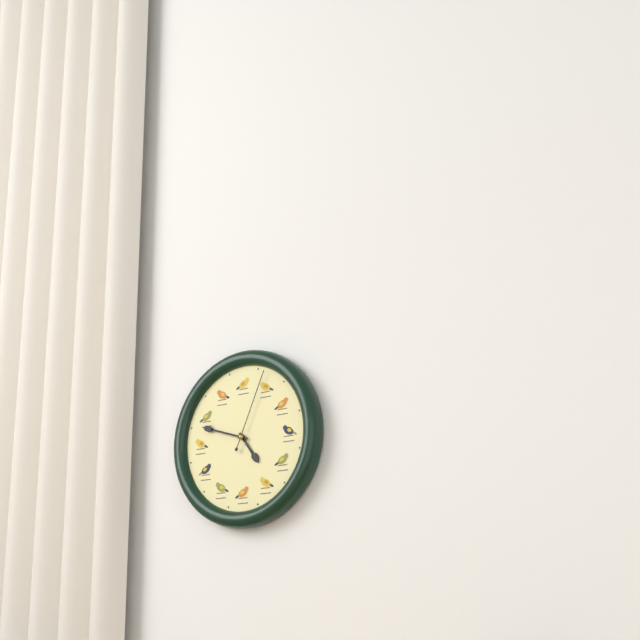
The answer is 4.48.04
